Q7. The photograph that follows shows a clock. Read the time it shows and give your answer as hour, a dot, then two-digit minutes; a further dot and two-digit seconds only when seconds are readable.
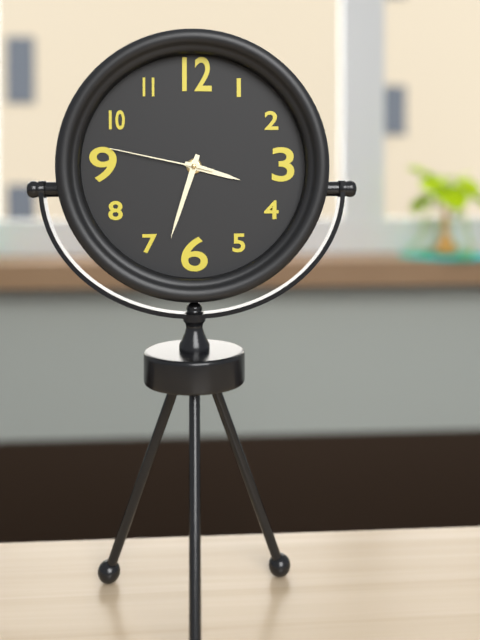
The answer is 3.33.47
